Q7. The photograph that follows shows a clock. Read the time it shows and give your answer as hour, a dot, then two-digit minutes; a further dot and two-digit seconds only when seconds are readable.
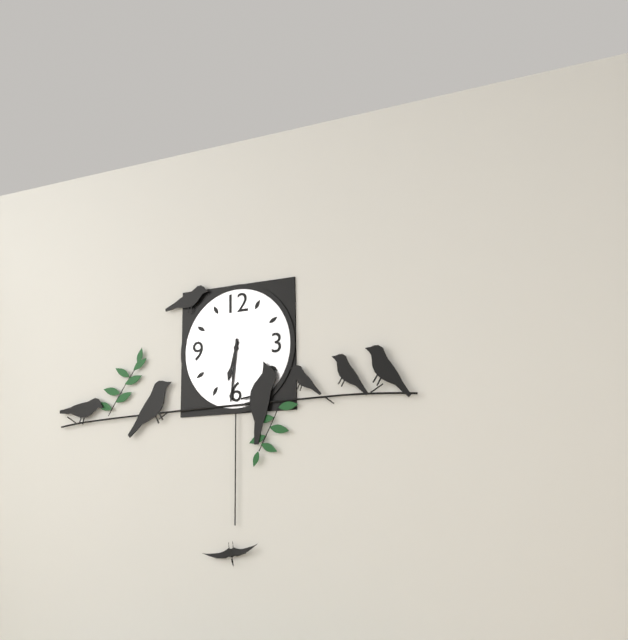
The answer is 6.31
